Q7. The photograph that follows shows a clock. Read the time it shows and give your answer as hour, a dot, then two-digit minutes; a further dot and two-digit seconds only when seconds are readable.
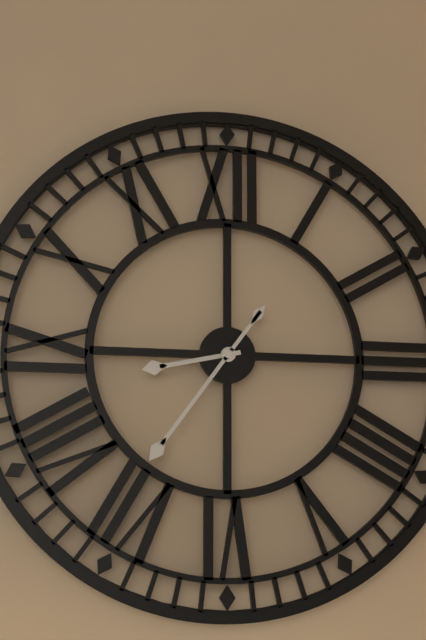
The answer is 8.36
